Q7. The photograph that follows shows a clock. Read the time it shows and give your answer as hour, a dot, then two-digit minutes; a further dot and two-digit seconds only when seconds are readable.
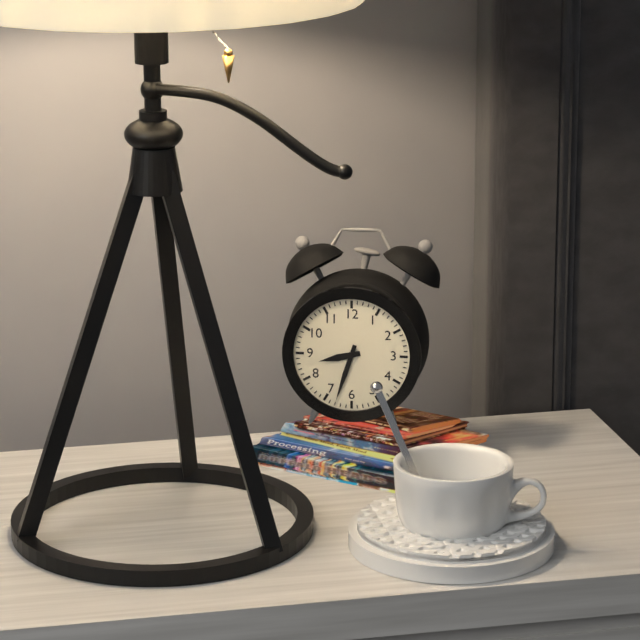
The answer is 8.33
